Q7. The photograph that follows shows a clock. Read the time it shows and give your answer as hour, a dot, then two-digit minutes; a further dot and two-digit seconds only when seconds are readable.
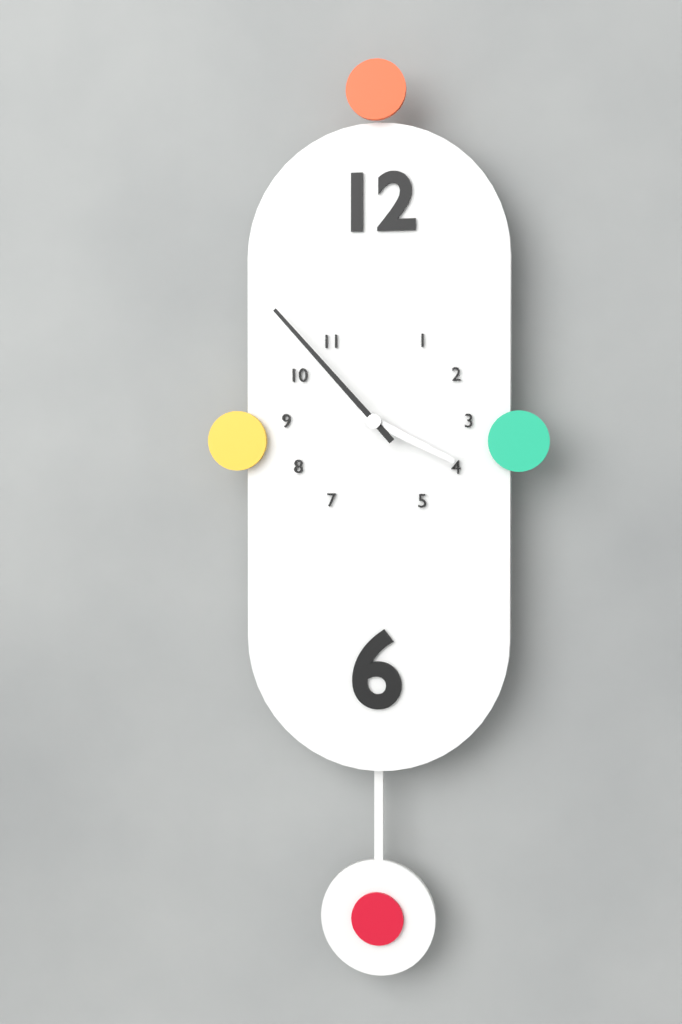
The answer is 3.53
